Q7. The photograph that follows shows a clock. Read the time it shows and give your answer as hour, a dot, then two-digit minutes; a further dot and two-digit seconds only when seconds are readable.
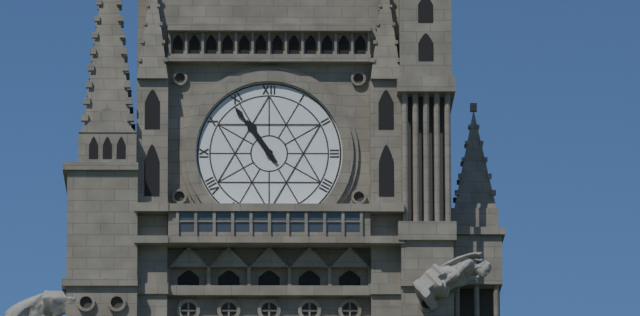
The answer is 10.54
